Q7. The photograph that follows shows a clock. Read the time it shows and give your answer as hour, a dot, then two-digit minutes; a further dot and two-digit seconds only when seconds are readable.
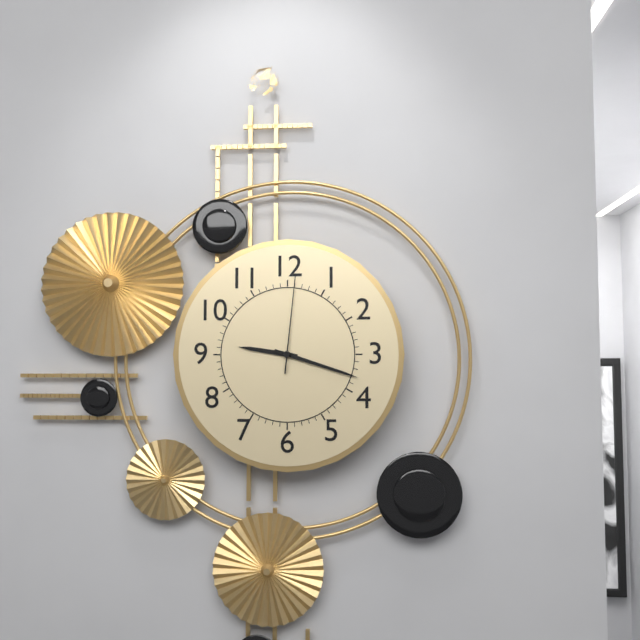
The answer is 9.18.01
